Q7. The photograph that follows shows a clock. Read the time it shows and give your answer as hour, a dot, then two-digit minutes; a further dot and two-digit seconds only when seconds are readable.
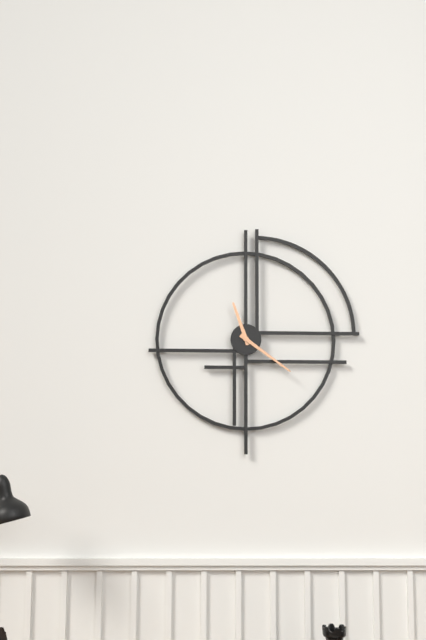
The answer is 11.21
